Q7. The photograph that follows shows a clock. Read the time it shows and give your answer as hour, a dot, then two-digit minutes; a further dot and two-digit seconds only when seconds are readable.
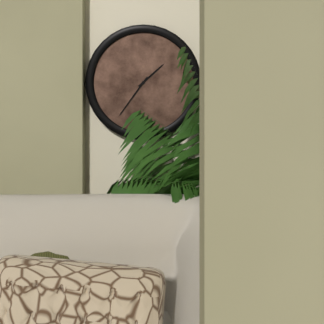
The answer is 1.36
